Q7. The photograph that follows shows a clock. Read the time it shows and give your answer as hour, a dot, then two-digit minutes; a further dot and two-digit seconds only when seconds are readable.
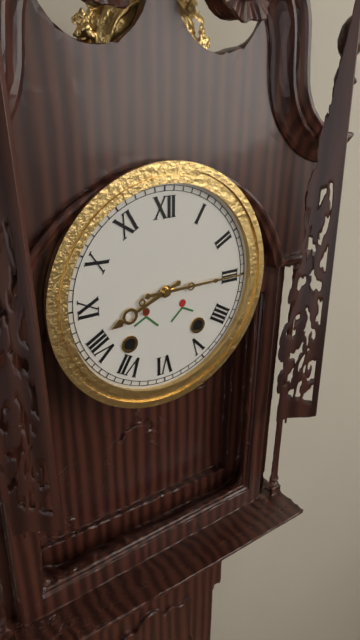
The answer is 8.15
